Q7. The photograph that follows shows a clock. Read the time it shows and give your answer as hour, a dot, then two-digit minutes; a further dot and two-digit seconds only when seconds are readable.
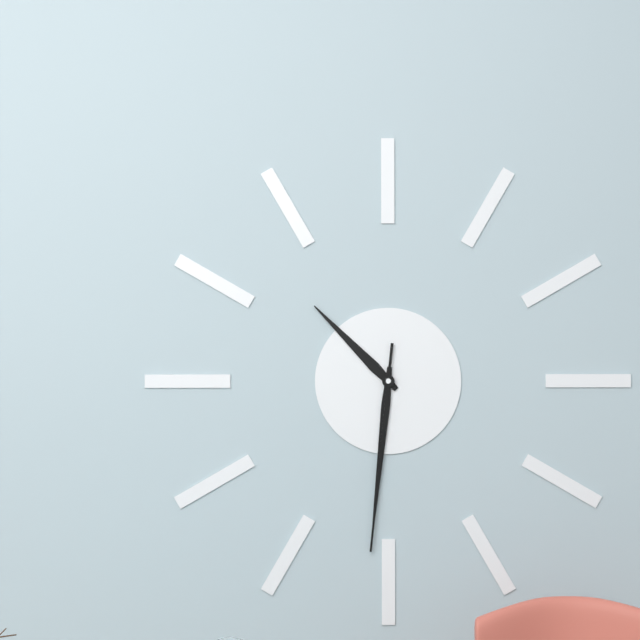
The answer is 10.31.31
